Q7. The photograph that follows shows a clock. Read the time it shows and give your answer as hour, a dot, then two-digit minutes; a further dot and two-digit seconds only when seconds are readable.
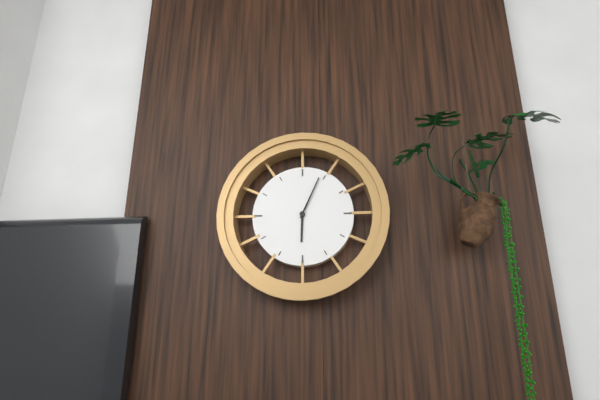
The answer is 6.04
